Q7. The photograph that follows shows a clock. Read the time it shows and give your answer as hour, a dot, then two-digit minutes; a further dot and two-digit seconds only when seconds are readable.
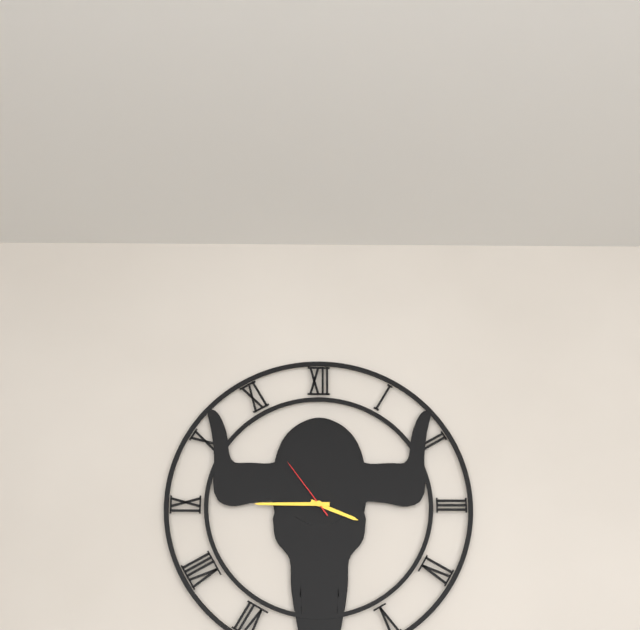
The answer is 3.45.54
